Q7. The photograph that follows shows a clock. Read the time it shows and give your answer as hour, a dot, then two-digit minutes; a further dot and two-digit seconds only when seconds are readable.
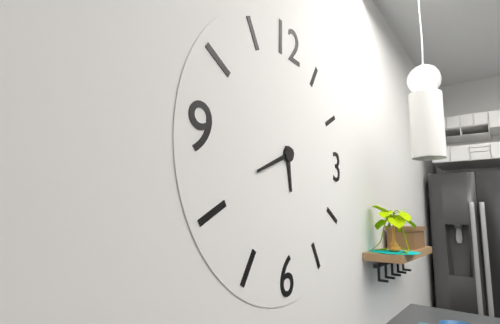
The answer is 5.41
